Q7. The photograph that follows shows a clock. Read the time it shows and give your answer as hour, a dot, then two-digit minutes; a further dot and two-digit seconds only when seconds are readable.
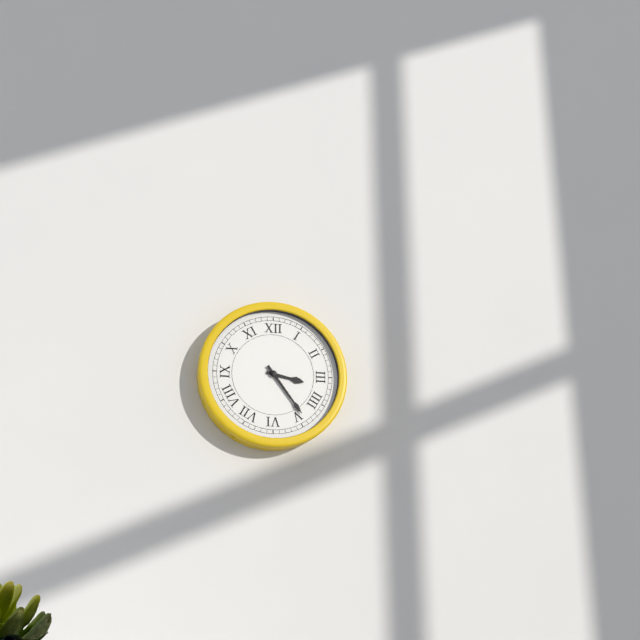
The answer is 3.24
